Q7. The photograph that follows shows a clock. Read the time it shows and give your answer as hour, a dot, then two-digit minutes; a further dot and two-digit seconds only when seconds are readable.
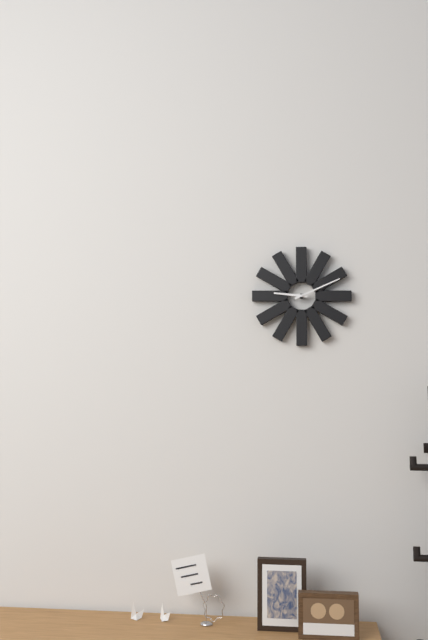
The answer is 9.11
